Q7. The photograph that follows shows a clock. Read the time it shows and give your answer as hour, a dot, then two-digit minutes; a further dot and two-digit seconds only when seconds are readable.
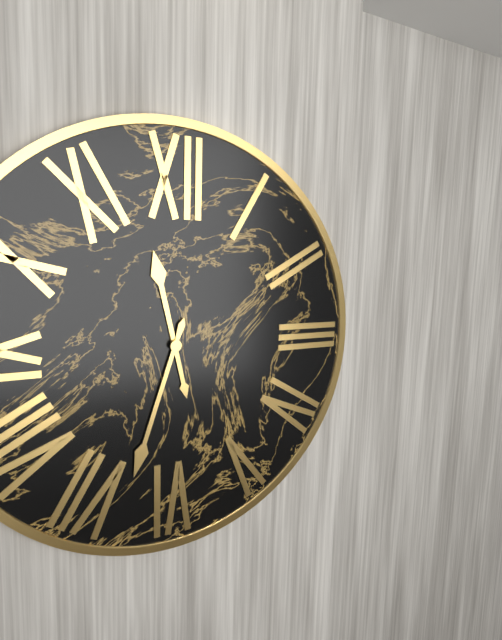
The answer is 11.33
